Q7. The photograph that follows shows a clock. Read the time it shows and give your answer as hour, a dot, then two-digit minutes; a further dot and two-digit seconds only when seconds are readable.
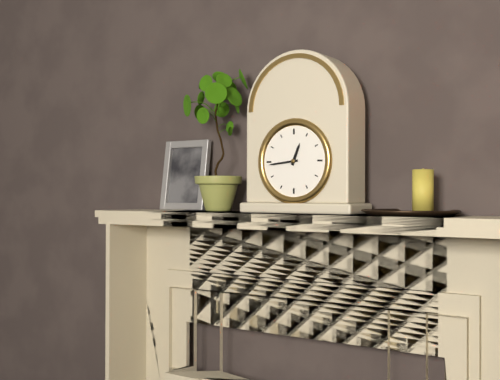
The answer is 12.44
